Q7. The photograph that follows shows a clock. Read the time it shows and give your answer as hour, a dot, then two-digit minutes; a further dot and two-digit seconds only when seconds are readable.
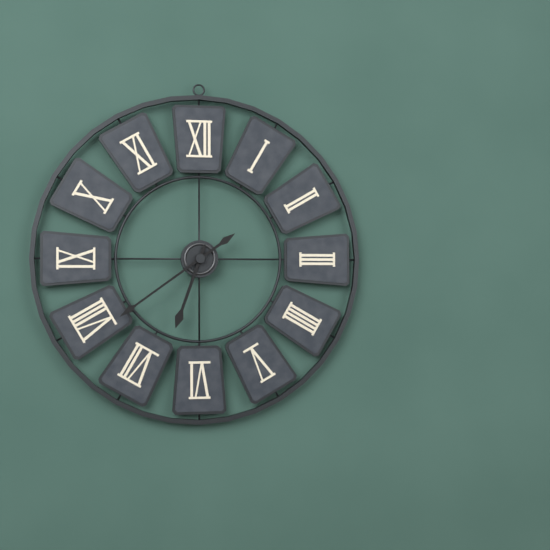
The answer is 6.39
